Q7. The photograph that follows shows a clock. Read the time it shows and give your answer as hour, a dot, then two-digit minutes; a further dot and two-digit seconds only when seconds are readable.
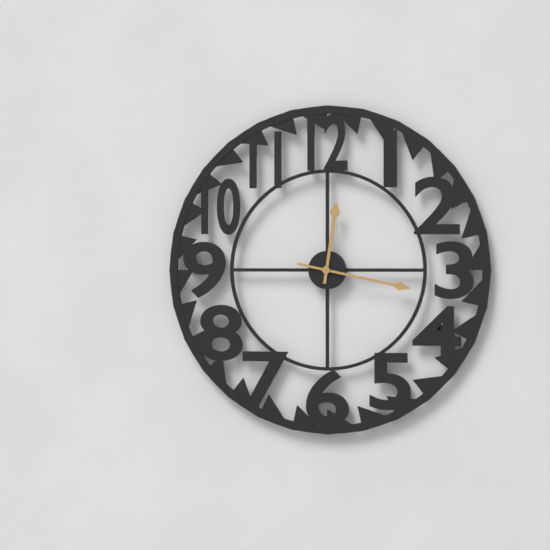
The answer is 12.17
